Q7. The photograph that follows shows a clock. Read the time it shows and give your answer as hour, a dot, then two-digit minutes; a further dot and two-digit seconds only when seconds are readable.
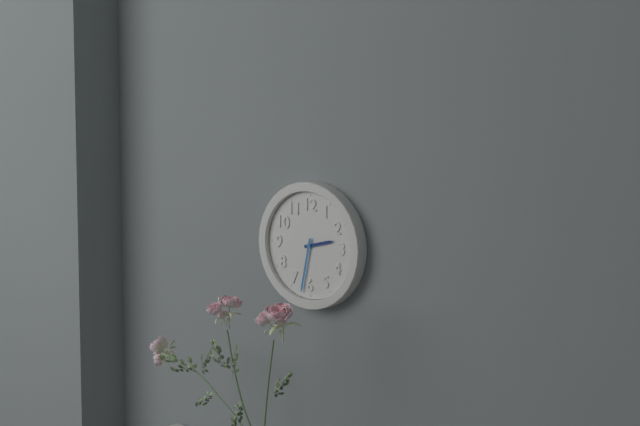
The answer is 2.32
